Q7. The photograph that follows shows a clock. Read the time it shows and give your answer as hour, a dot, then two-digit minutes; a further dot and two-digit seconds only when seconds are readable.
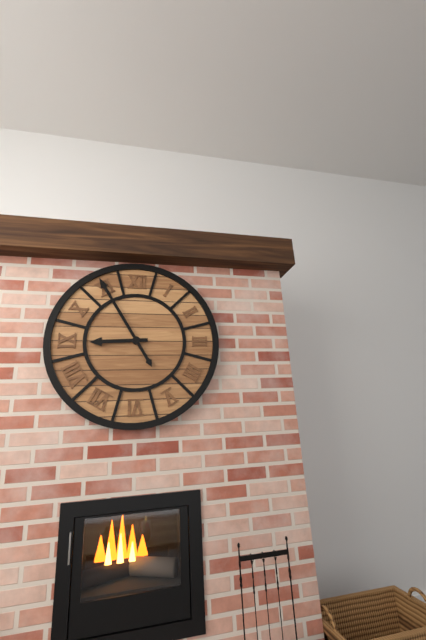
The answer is 8.55
